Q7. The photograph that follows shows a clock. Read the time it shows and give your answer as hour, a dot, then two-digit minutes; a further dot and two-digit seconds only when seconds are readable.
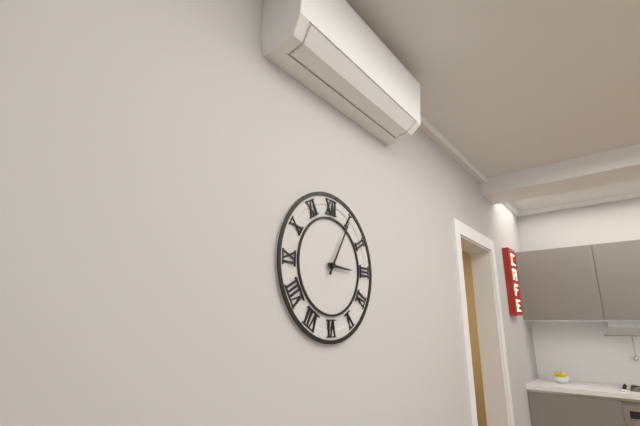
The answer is 3.05
